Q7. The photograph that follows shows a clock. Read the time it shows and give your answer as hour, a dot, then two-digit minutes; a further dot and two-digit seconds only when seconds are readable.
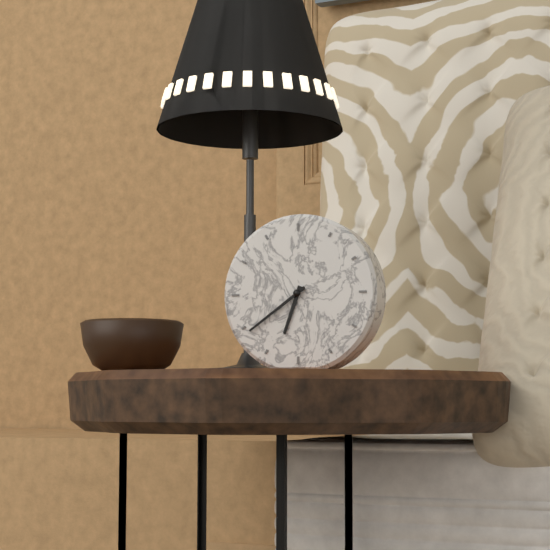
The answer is 6.39
